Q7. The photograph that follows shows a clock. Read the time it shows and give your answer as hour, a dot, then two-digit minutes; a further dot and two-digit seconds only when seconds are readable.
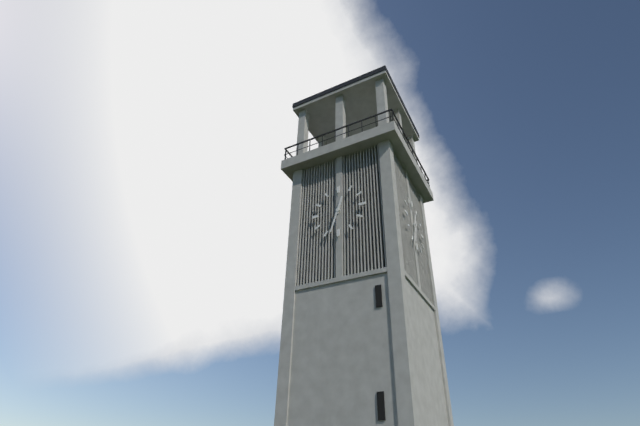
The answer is 12.33
